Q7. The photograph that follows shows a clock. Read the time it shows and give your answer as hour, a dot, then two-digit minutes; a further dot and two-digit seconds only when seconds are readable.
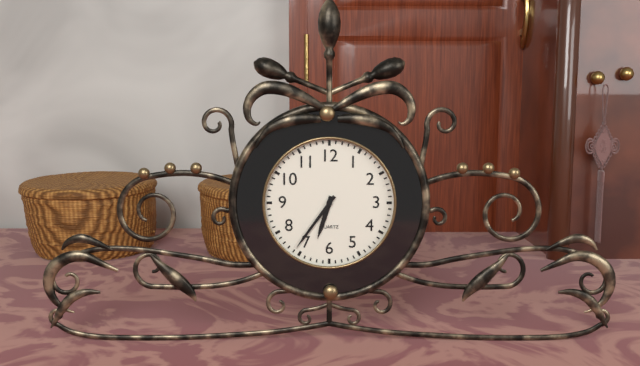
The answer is 6.36
